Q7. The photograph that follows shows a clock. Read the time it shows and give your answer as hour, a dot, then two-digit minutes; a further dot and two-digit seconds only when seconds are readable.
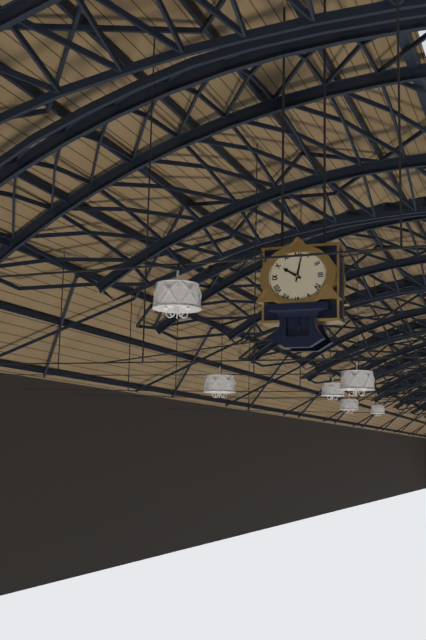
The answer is 10.02
